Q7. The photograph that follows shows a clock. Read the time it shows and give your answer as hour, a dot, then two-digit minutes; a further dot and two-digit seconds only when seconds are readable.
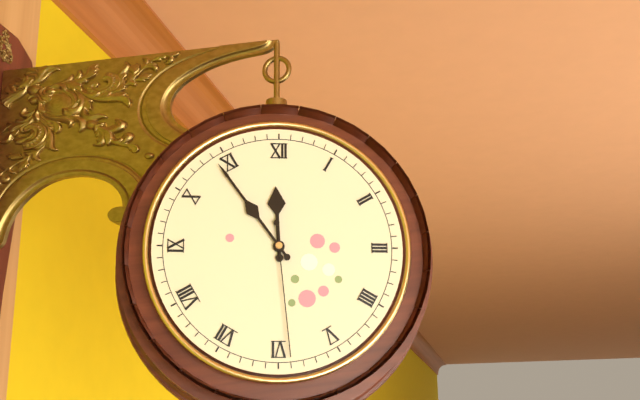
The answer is 11.54.29
